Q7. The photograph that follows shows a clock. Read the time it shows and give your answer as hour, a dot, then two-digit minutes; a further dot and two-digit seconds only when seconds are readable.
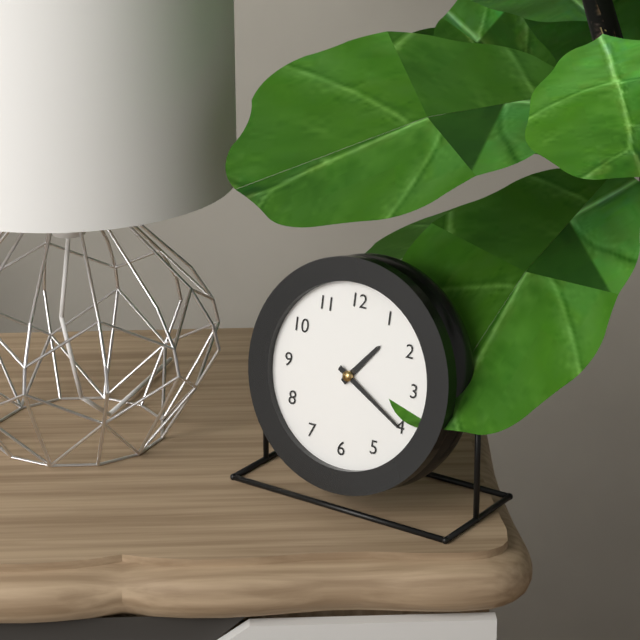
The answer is 1.20
